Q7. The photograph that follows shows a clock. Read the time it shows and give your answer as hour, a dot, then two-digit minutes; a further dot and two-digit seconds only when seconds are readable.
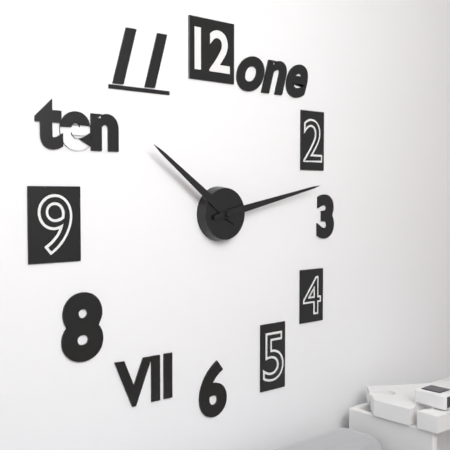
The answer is 10.13
